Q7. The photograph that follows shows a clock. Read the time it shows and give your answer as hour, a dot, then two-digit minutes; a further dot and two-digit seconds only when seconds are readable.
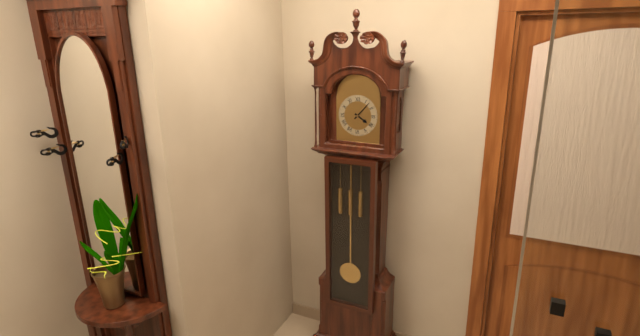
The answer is 4.07
